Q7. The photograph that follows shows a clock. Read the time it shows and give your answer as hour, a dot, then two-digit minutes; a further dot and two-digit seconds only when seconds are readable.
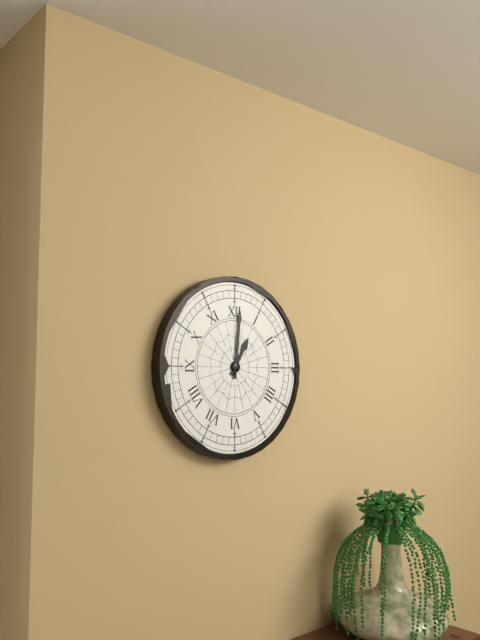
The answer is 1.01
